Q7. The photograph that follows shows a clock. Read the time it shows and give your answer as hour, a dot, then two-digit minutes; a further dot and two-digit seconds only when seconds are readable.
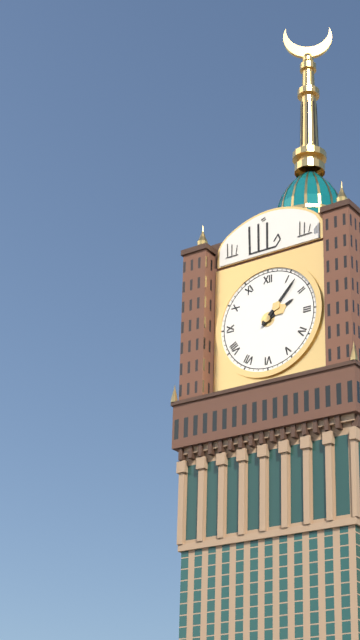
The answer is 2.07
